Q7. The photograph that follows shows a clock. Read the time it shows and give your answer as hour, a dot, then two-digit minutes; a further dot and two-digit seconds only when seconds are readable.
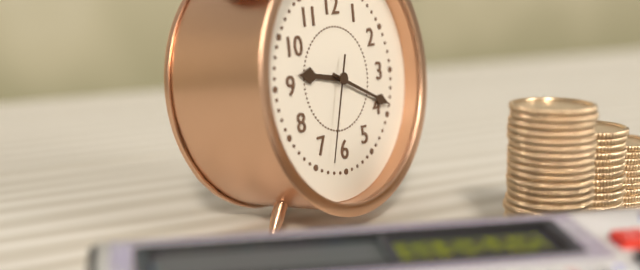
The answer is 9.19.33
